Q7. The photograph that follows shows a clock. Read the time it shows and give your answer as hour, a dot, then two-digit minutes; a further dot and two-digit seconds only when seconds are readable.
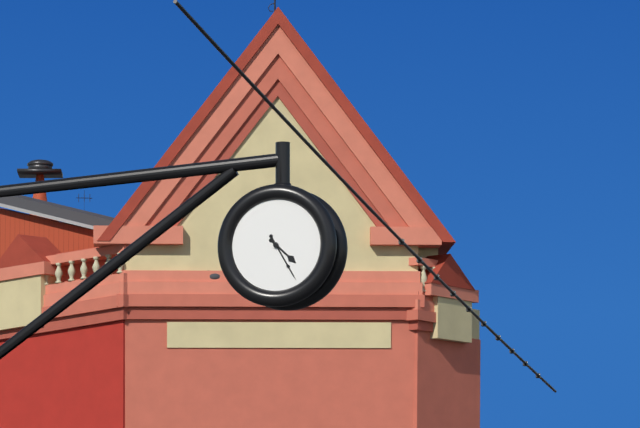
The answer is 4.25
